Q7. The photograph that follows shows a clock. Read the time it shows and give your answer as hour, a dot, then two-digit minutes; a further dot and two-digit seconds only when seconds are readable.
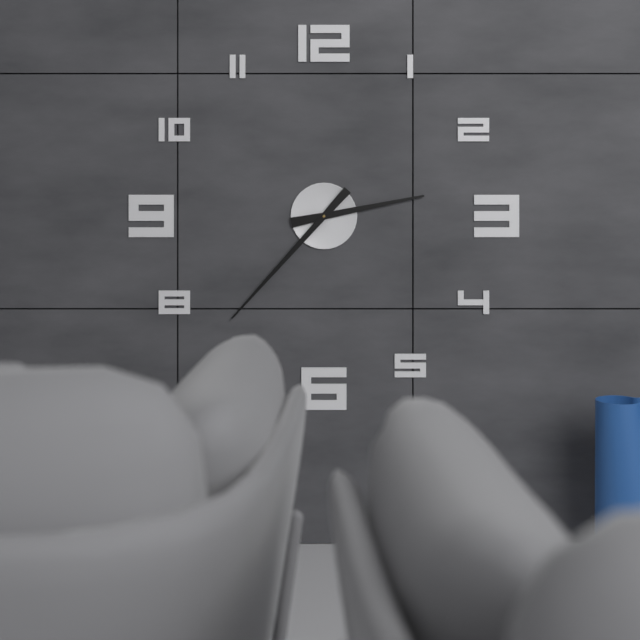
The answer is 2.37
